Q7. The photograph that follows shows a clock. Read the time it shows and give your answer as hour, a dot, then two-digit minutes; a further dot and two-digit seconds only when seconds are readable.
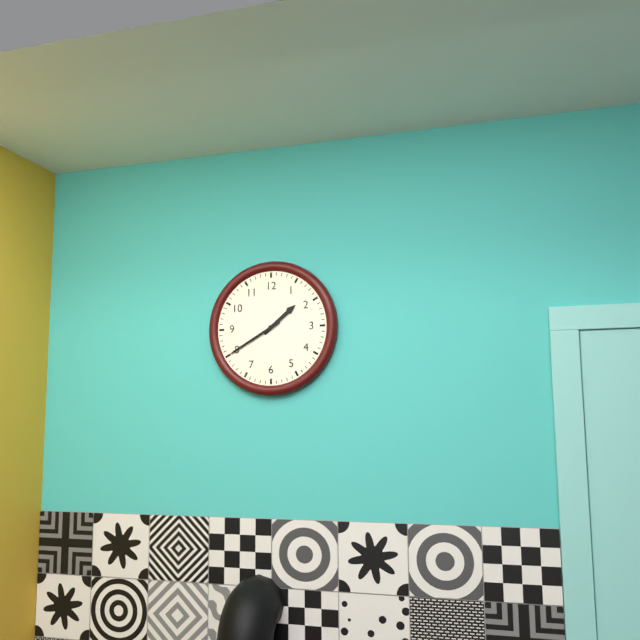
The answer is 1.40
